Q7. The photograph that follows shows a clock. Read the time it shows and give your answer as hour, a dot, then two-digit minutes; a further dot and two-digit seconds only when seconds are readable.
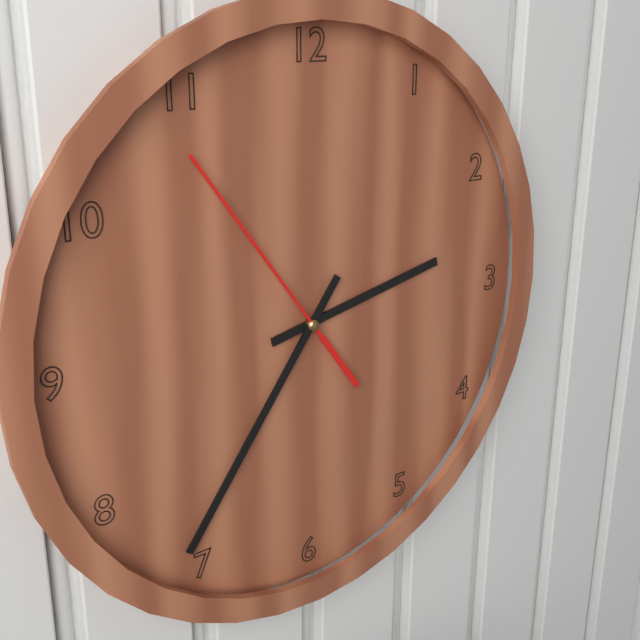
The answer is 2.36.54
